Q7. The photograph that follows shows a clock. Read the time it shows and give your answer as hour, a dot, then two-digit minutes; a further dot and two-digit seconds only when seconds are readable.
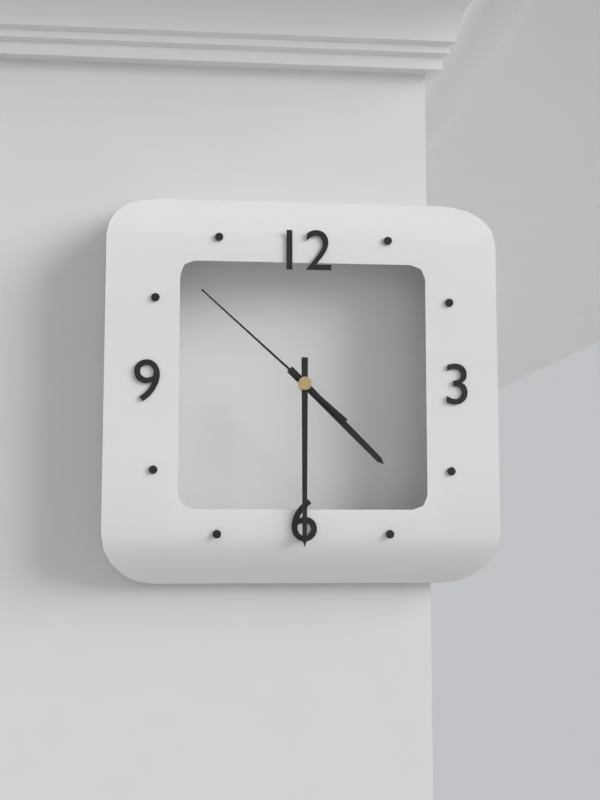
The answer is 4.30.52
